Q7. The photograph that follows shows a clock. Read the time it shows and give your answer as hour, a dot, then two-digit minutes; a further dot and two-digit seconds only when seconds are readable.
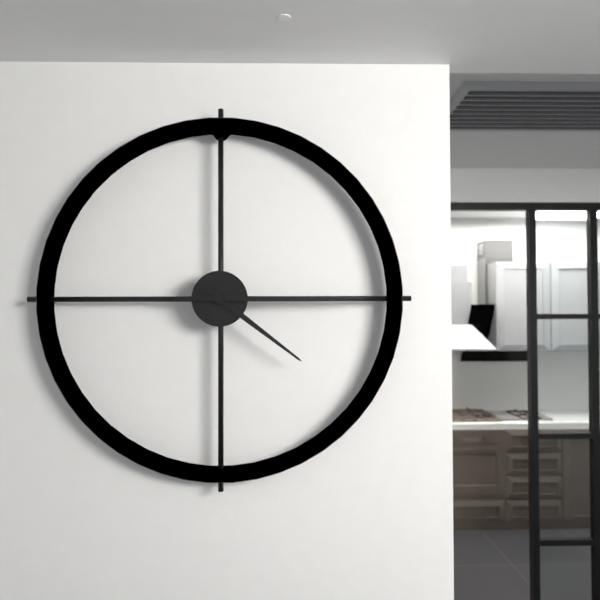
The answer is 4.15
